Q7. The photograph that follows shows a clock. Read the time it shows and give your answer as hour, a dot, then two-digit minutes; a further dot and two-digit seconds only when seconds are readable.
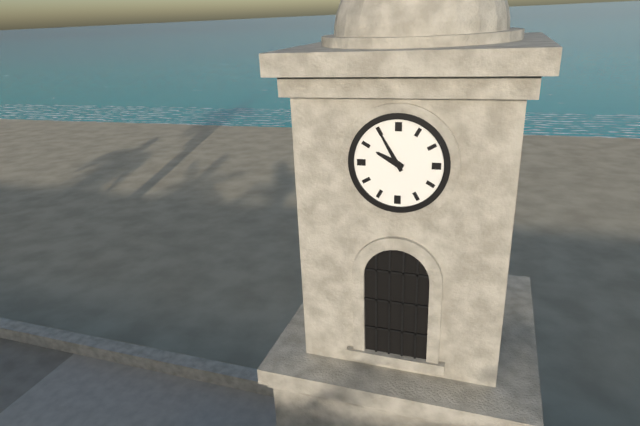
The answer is 9.55
